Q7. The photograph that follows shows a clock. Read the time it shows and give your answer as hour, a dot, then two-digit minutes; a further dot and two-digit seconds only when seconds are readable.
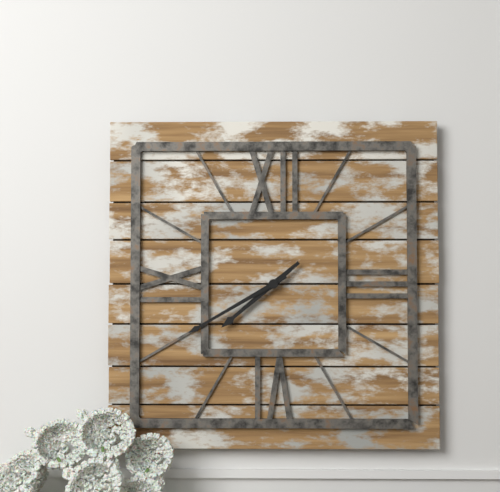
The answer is 7.40
